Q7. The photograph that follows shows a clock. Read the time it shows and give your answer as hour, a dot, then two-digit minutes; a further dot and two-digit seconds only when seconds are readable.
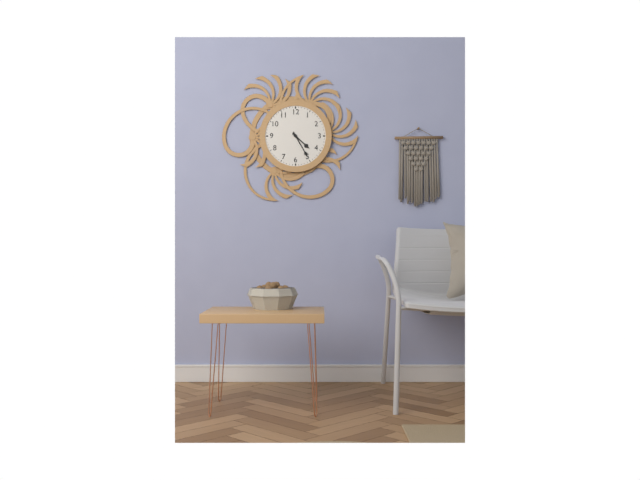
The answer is 4.25
